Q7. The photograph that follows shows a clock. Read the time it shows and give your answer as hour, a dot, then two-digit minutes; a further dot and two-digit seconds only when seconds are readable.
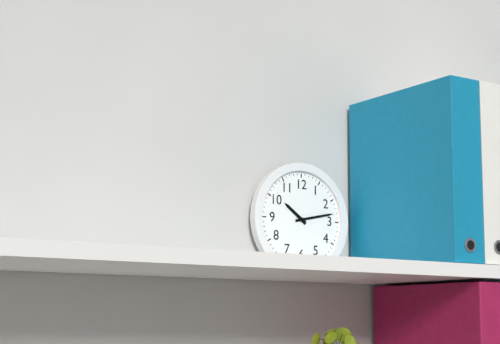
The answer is 10.13
